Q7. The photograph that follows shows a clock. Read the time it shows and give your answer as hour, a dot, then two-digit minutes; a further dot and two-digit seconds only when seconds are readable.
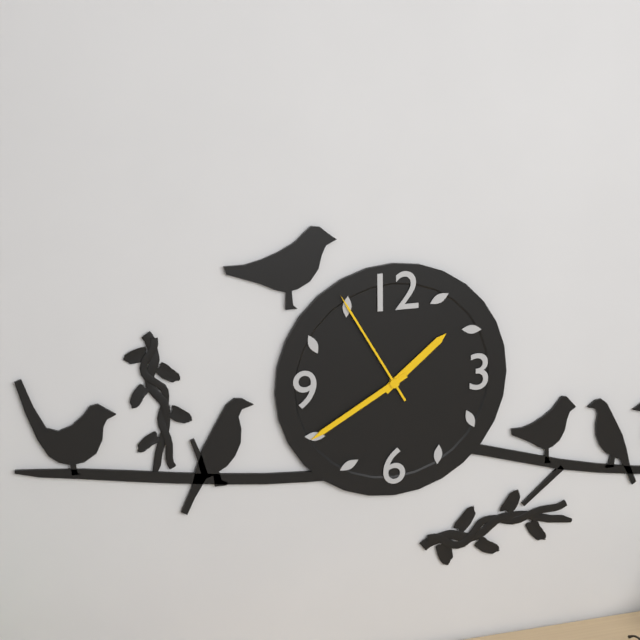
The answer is 1.40.55
